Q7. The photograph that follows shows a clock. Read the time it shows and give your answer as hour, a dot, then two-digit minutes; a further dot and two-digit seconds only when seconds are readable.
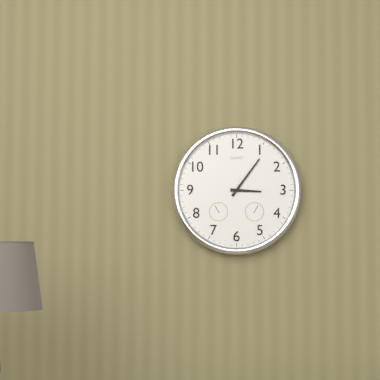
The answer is 3.06
